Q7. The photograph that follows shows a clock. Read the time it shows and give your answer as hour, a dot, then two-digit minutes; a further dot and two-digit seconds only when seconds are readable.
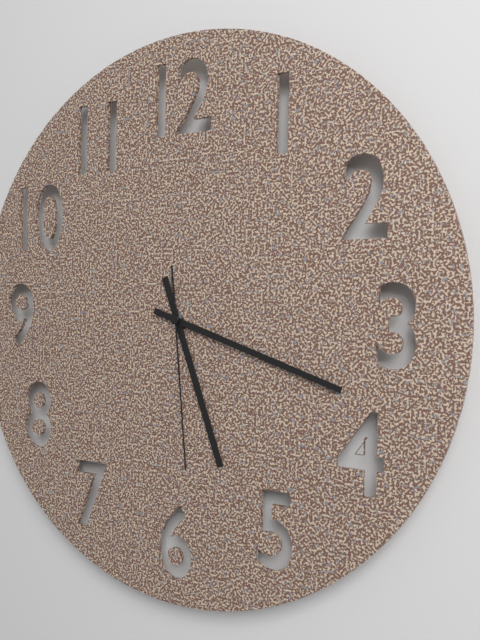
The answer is 5.18.29
